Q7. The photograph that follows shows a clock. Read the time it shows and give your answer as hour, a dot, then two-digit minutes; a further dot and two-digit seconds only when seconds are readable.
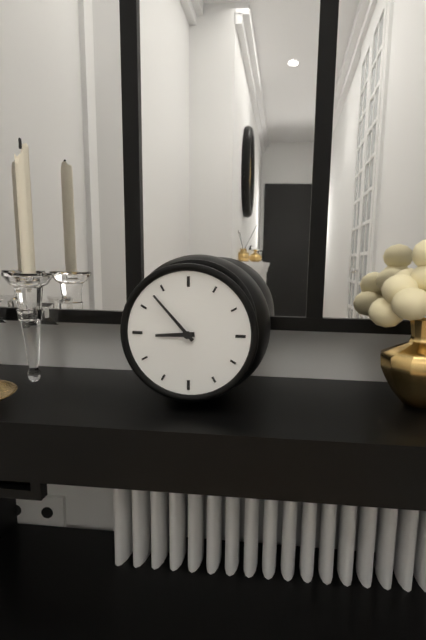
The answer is 8.53
